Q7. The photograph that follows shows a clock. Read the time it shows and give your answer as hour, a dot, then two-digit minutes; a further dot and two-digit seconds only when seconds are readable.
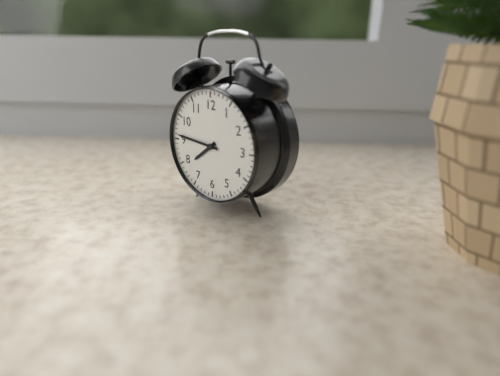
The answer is 7.46
